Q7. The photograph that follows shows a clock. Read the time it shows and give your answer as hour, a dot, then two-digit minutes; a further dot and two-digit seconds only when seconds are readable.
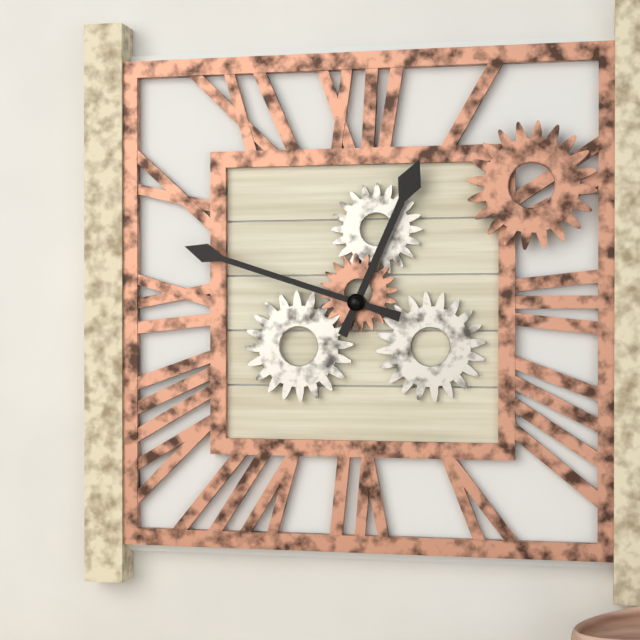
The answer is 12.48
